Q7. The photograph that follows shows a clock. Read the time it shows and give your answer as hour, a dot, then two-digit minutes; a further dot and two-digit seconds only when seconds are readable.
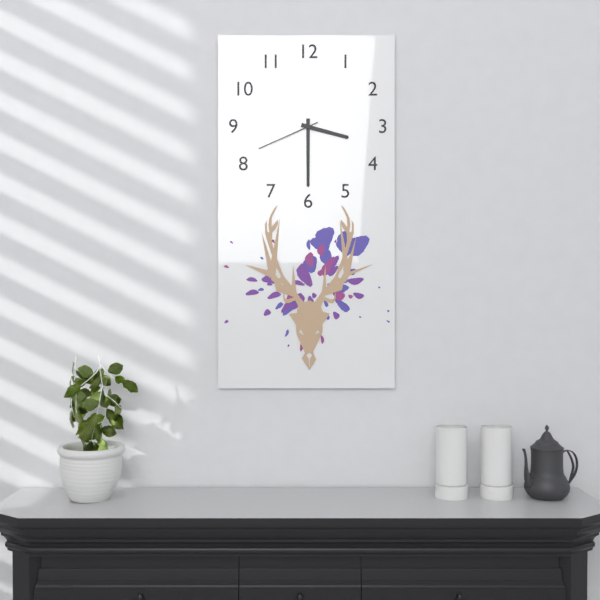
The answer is 3.30.41
